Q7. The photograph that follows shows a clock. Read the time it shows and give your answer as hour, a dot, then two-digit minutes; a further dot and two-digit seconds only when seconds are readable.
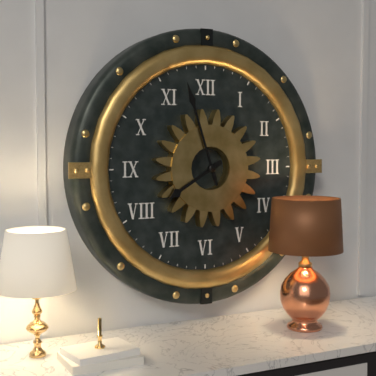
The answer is 7.57
